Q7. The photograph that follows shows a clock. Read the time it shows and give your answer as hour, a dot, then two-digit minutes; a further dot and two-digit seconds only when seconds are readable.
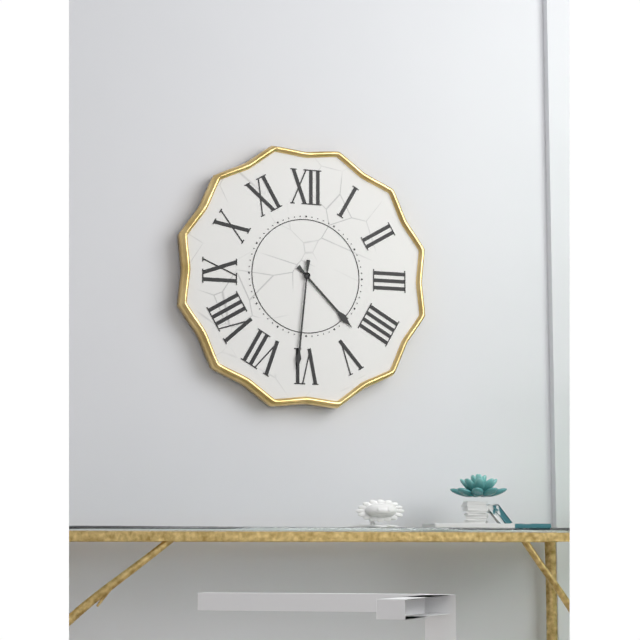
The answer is 4.31
